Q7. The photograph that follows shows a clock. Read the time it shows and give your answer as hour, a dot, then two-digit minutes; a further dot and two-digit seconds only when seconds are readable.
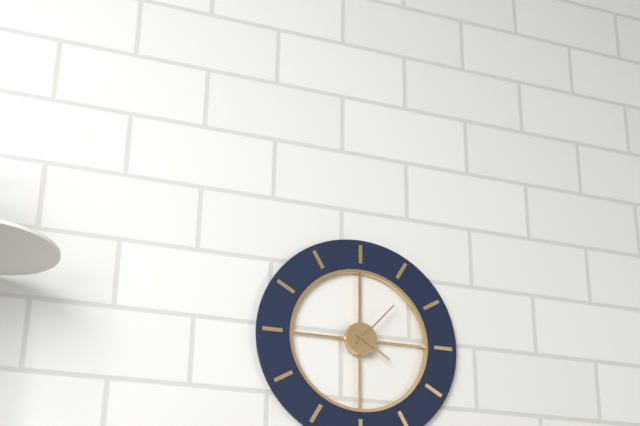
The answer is 4.07
